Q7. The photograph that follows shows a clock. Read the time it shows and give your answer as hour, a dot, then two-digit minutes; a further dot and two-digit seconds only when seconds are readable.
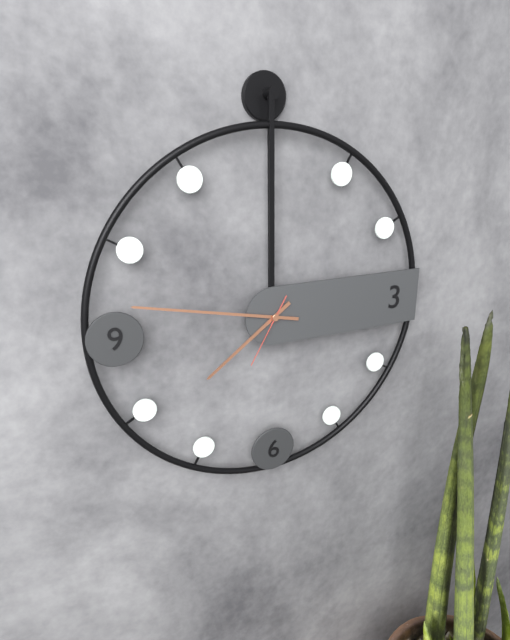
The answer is 7.47.35
